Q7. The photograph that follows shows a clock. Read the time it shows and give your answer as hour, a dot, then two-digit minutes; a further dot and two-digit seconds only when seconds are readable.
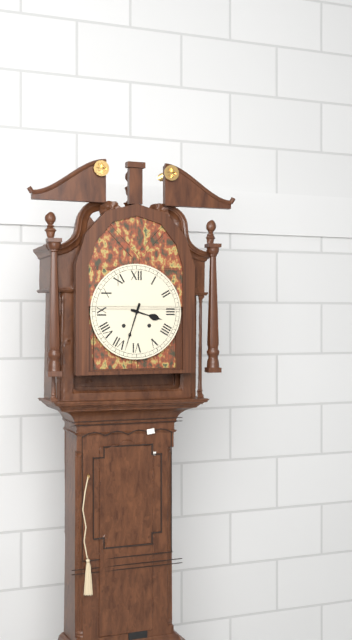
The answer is 3.33
